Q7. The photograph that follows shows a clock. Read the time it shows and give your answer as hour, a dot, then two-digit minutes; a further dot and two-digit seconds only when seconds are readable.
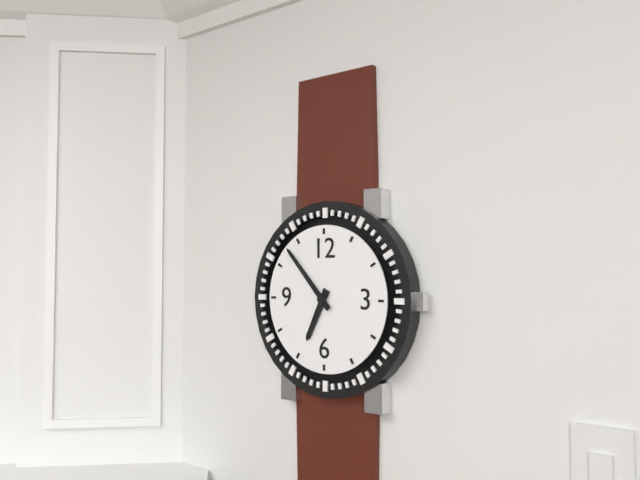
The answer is 6.53
